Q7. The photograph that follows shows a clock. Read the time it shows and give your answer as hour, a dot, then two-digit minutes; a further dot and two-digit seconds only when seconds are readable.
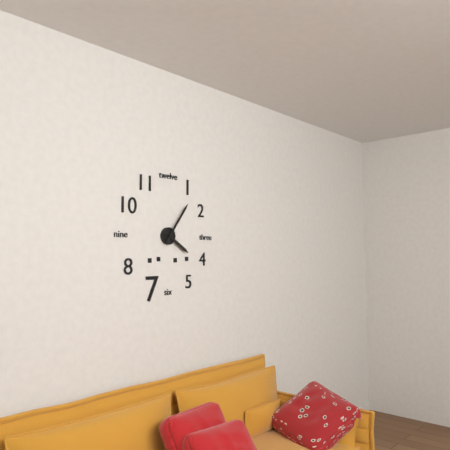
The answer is 4.06
